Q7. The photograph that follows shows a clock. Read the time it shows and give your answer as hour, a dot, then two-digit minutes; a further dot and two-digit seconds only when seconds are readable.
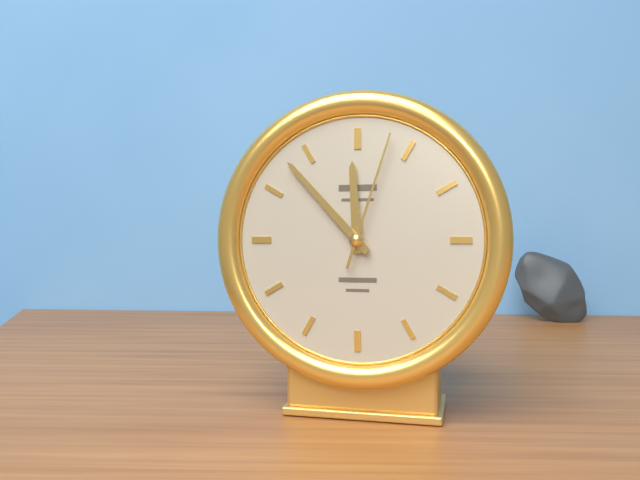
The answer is 11.53.03
